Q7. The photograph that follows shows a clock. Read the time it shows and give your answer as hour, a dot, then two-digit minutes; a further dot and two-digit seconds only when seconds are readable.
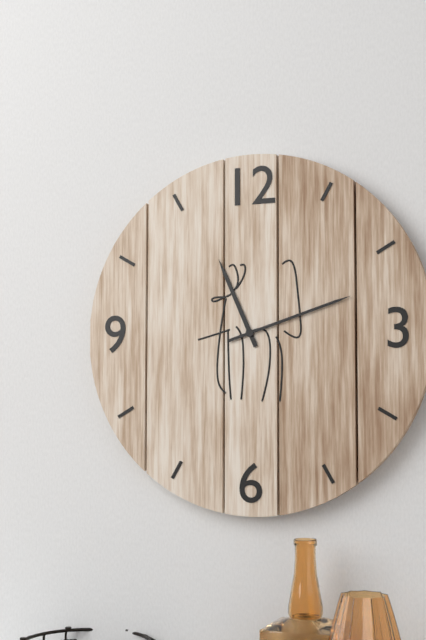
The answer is 11.12
